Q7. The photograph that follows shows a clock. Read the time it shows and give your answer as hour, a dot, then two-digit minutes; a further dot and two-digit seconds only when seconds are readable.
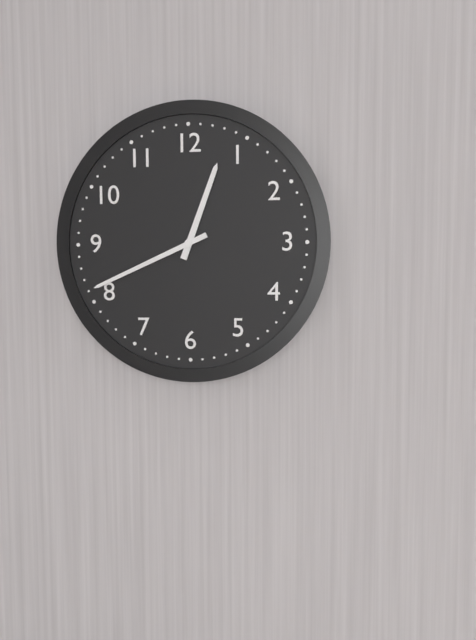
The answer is 12.41
